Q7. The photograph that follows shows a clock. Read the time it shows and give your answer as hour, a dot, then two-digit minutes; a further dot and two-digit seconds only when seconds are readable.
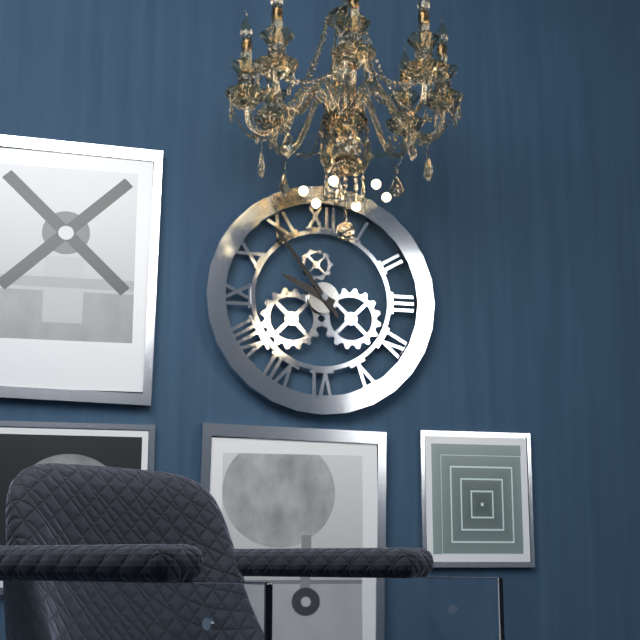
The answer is 9.54
